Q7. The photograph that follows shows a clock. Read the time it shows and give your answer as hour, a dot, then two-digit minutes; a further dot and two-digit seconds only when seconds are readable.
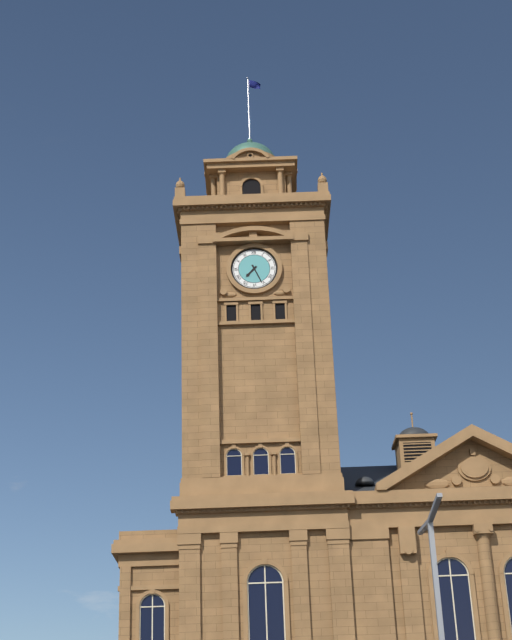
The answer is 7.26
